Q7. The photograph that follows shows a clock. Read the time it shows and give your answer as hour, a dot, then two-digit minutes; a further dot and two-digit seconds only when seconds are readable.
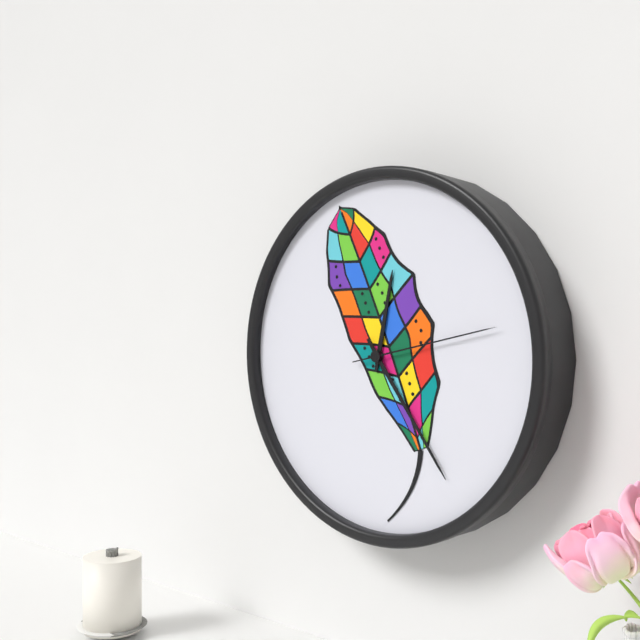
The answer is 12.24.13
